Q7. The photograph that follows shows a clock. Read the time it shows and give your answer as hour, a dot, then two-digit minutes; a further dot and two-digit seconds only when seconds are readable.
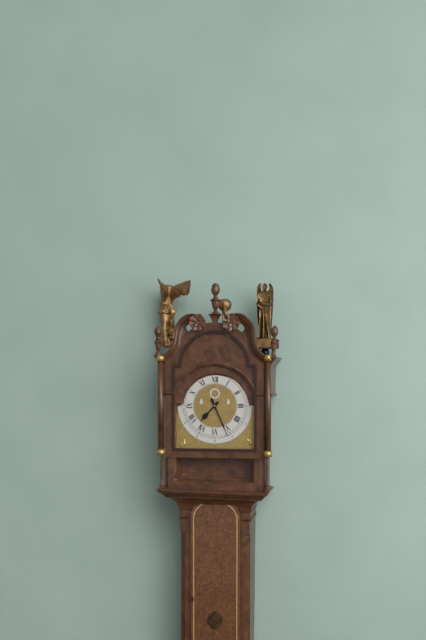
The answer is 7.26
